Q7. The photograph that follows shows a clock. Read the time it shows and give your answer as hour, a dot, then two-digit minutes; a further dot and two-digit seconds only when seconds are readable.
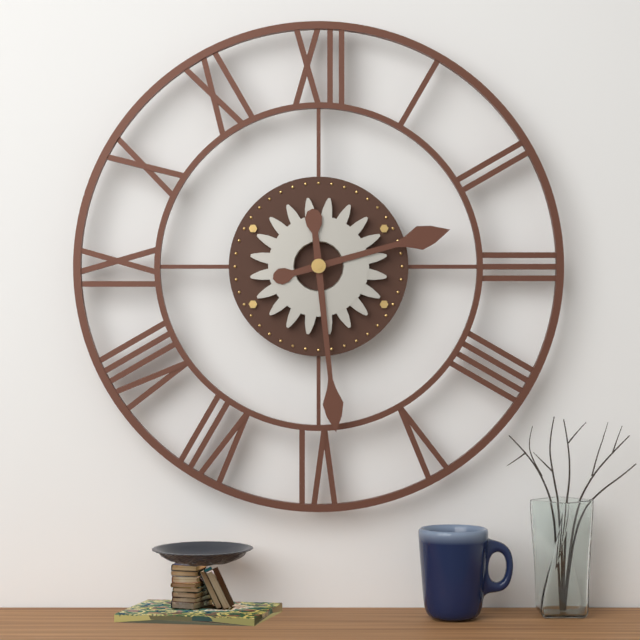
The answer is 2.29
